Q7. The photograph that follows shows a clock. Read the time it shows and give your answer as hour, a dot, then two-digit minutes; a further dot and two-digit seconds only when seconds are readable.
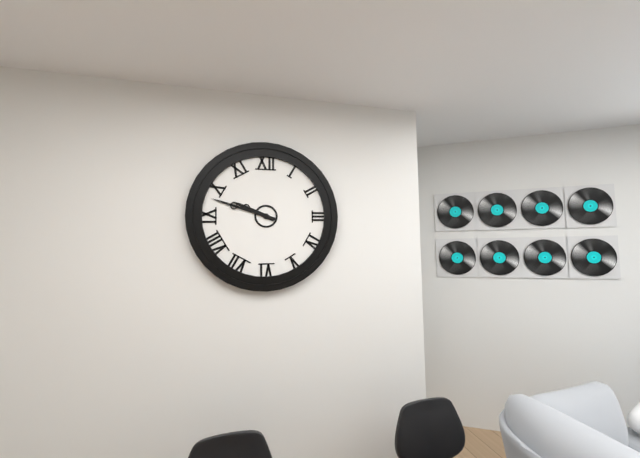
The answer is 9.48
